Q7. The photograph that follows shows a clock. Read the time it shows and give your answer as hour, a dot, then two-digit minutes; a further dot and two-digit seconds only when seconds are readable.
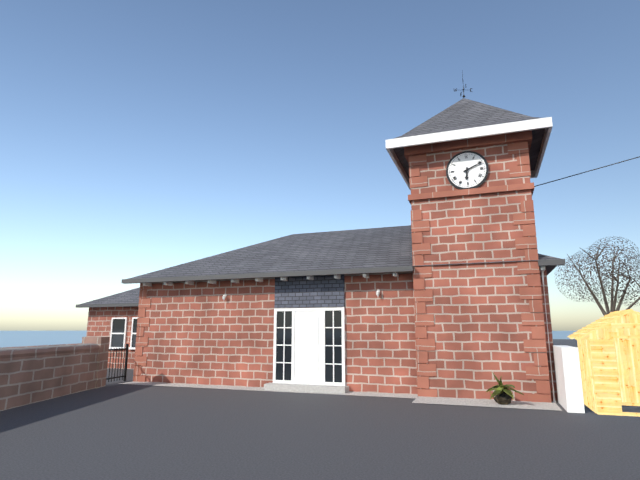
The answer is 6.11
